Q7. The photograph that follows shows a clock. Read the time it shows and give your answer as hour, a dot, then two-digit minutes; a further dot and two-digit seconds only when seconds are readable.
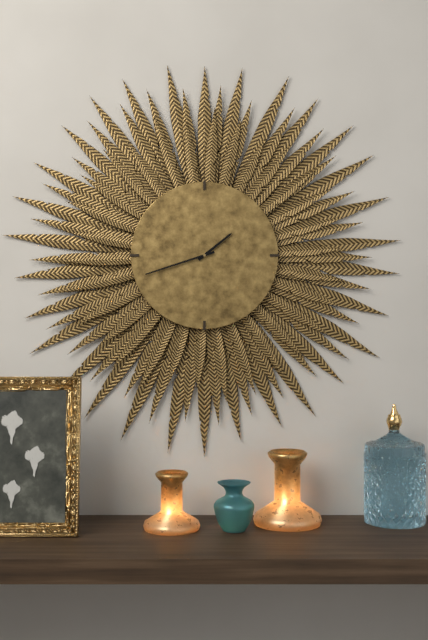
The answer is 1.42
